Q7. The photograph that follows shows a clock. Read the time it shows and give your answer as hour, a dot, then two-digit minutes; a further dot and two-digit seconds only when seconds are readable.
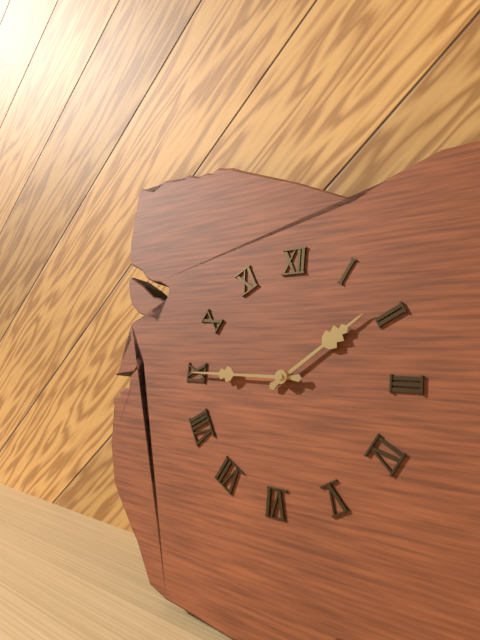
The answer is 1.45
